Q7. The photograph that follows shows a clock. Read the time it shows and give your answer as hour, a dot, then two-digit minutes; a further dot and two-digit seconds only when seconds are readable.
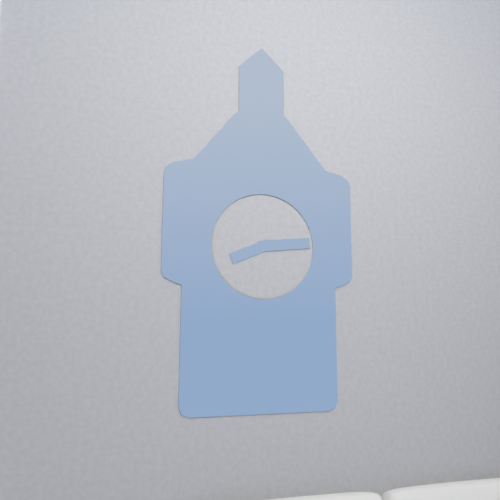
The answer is 8.14
